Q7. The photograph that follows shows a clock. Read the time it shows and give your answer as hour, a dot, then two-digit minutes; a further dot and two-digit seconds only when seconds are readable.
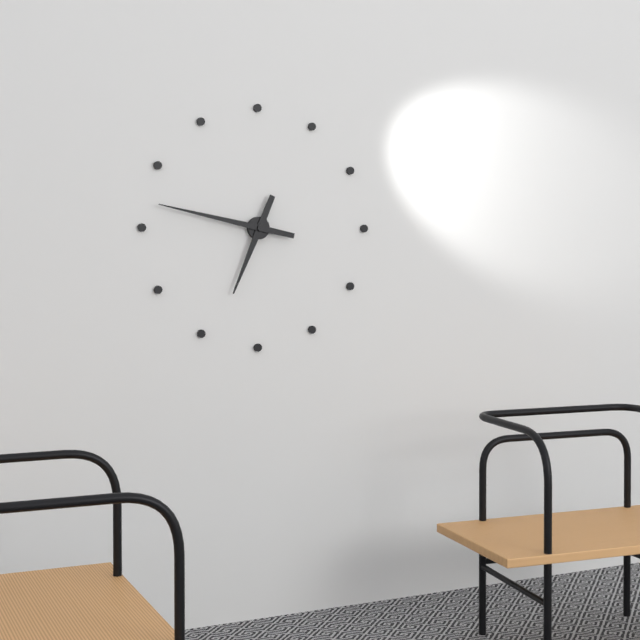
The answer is 6.47
